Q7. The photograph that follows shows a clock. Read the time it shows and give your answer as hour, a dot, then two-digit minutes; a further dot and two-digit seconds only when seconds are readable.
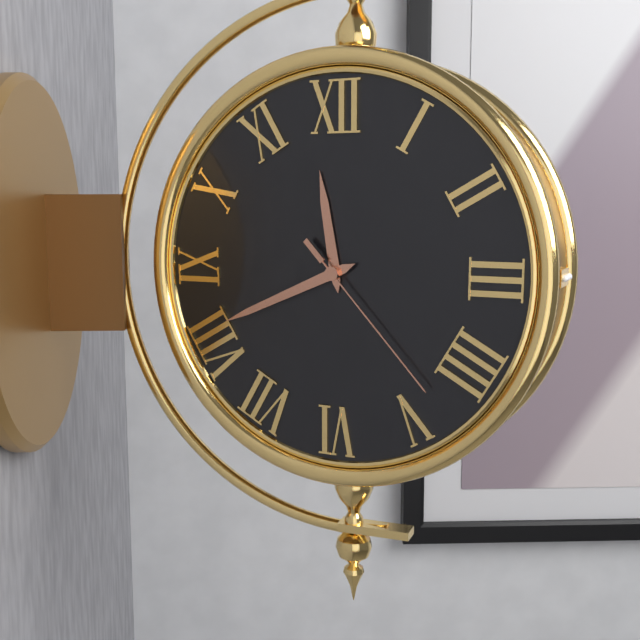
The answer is 11.41.23
